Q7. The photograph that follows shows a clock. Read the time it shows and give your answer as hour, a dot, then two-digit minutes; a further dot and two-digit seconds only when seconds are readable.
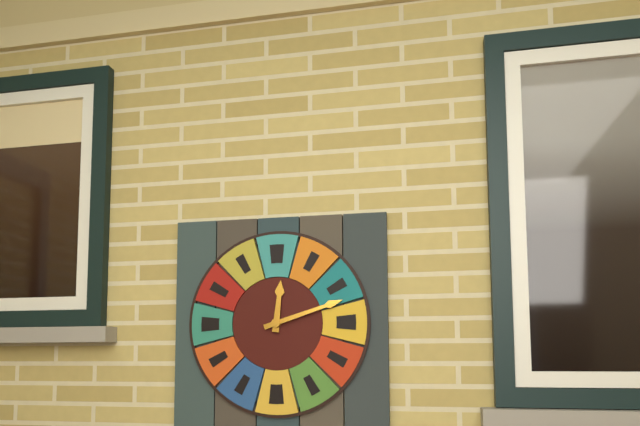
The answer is 12.12
